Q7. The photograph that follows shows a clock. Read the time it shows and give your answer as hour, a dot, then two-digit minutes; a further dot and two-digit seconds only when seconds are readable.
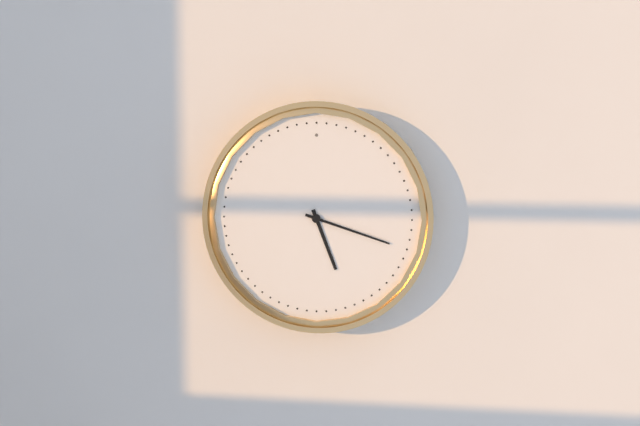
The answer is 5.18
